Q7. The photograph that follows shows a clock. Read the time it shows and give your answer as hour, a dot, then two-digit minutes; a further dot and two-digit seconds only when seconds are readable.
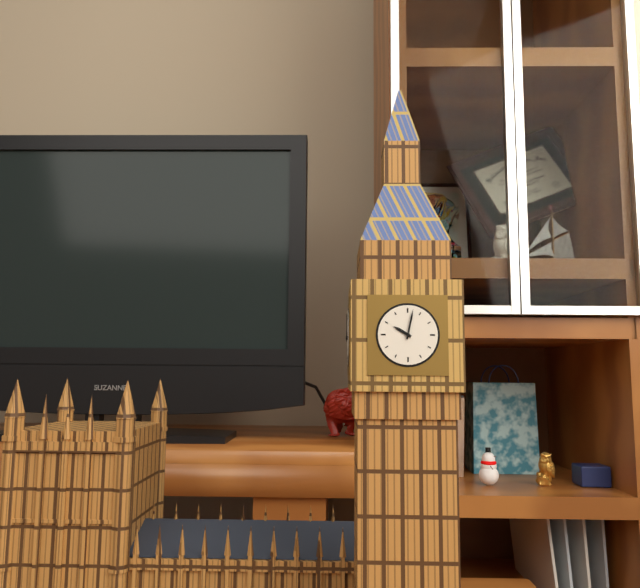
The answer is 10.02
